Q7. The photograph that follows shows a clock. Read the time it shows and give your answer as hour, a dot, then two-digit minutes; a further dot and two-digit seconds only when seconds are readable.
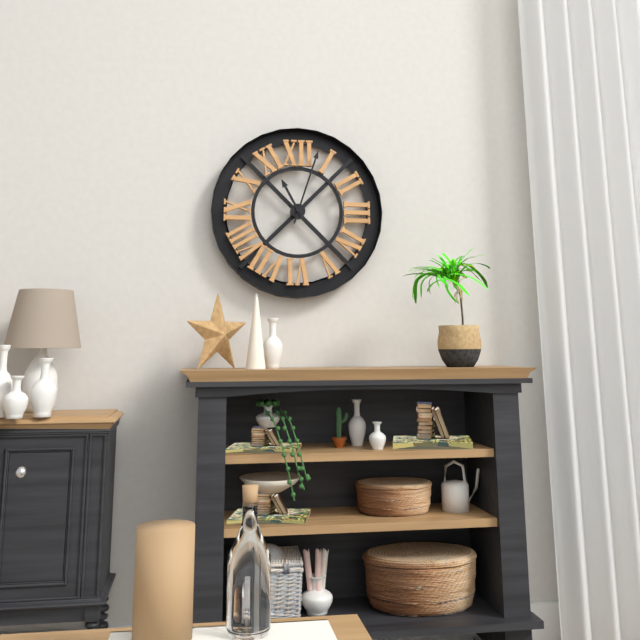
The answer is 11.03
